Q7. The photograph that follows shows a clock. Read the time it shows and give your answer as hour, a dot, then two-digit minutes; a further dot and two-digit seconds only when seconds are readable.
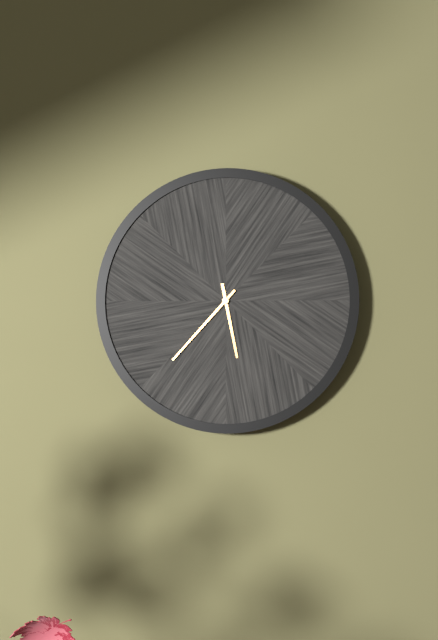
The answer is 5.37
